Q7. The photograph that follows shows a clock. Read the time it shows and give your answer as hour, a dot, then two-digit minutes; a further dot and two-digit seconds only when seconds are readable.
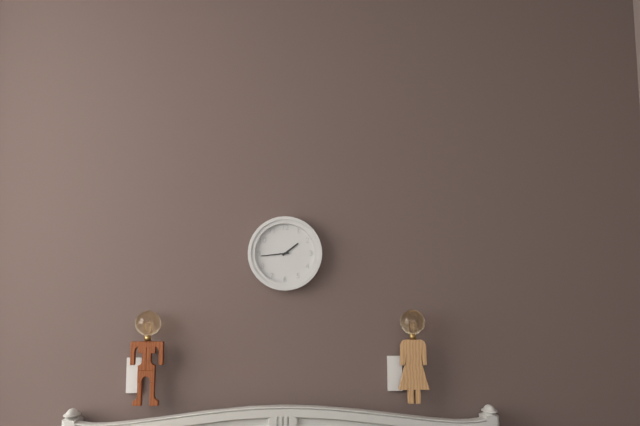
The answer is 1.44
